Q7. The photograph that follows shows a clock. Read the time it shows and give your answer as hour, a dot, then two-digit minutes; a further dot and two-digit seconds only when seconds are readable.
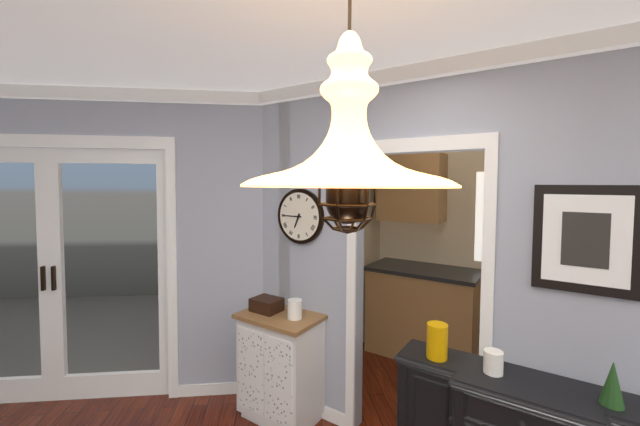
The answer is 6.45
